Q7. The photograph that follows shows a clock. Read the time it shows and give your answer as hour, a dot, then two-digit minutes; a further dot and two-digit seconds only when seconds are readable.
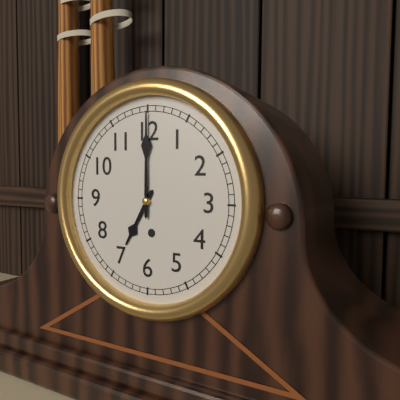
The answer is 7.00
